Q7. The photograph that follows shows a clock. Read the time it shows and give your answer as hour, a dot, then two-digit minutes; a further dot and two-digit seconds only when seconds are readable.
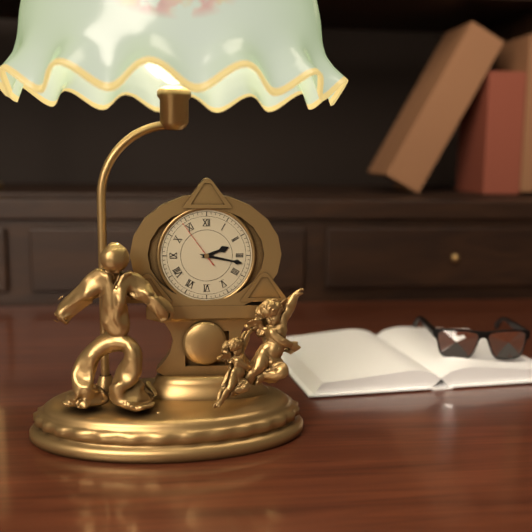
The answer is 2.17.54
